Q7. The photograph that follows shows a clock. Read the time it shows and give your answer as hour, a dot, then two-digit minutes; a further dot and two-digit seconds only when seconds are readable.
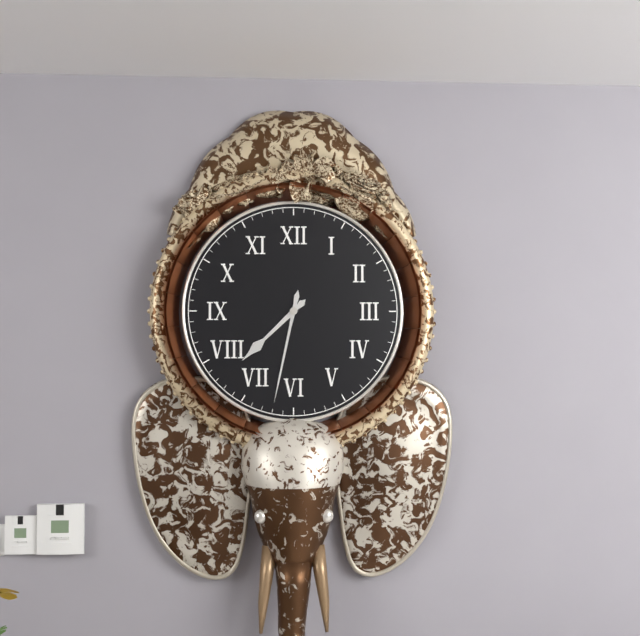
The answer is 7.32
